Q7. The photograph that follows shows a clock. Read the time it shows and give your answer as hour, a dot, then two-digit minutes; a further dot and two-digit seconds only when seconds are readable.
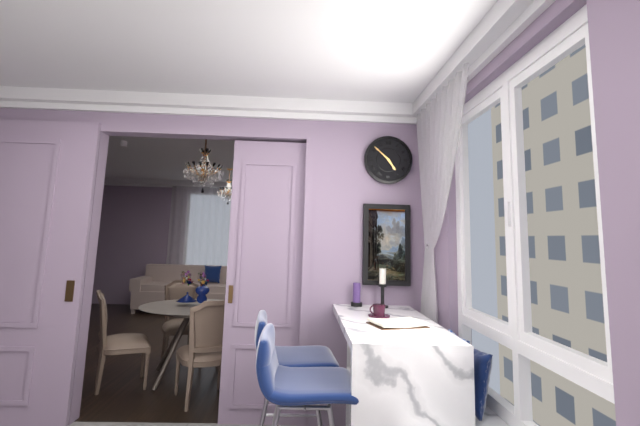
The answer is 4.52
